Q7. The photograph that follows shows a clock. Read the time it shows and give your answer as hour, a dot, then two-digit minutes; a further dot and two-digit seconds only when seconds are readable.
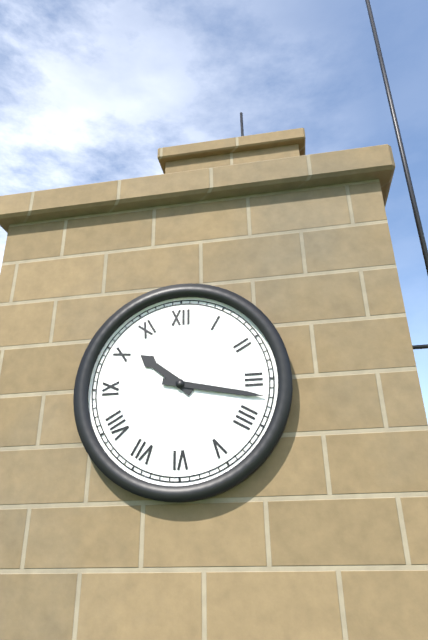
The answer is 10.17
